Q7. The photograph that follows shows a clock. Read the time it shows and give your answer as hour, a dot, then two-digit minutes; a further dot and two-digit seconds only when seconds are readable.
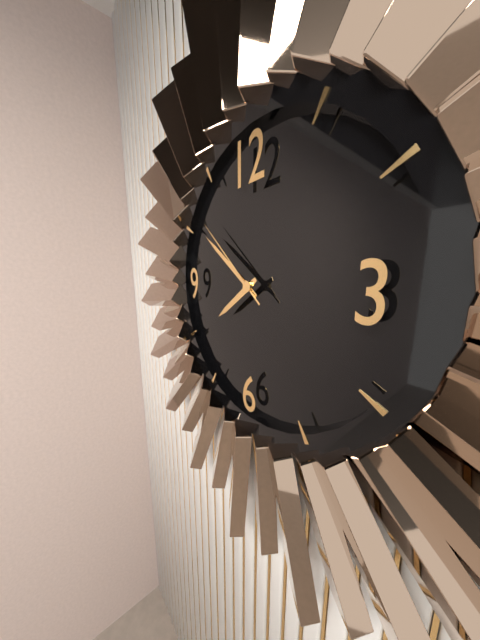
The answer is 7.51.52
